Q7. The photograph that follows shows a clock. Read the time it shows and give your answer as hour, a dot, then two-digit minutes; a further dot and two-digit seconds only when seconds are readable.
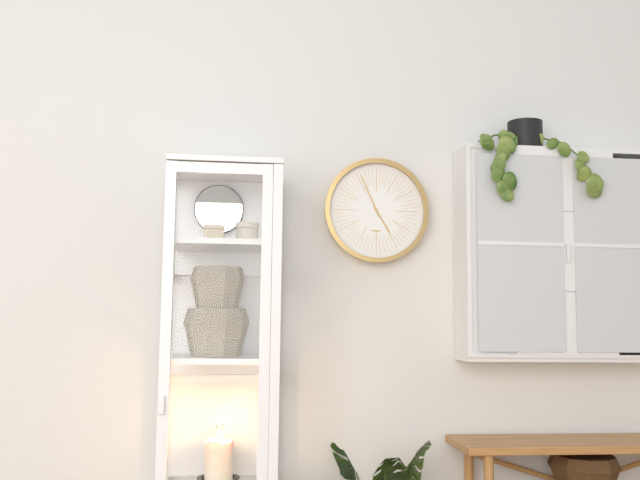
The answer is 4.56
